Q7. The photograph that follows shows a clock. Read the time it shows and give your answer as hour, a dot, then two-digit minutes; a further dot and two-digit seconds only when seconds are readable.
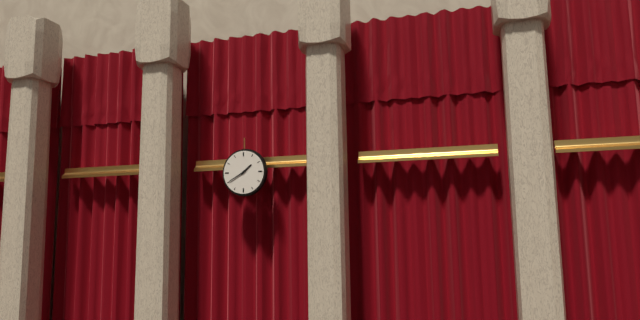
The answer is 1.40
